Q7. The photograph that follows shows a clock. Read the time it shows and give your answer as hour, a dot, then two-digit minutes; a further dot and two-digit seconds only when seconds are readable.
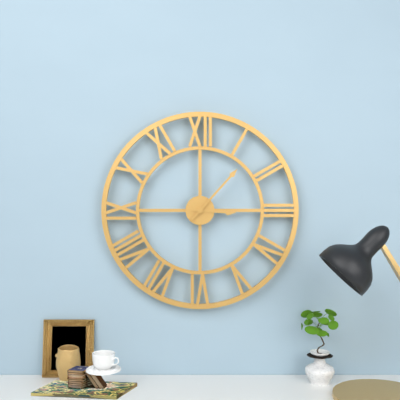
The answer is 3.07
